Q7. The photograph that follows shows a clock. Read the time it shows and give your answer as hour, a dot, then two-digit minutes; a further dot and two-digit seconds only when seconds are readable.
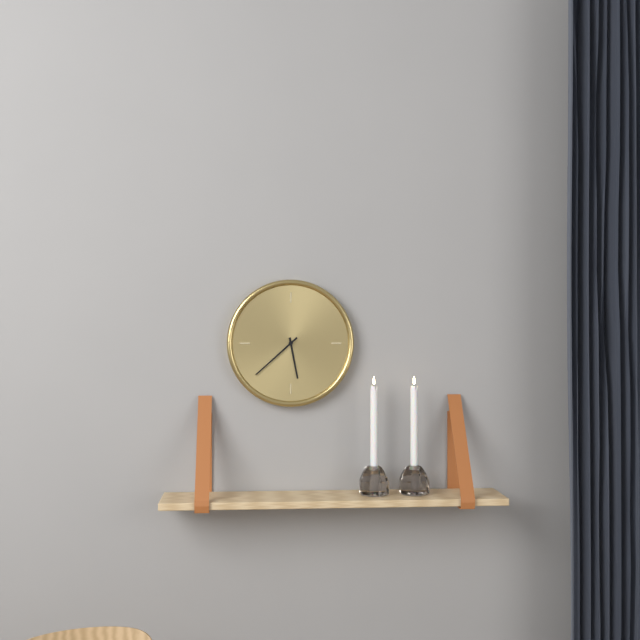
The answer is 5.38
